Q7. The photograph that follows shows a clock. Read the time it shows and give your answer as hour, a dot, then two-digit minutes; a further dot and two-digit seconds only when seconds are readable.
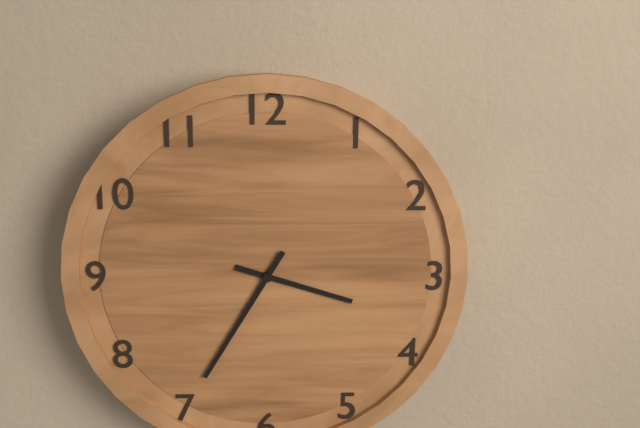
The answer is 3.35
